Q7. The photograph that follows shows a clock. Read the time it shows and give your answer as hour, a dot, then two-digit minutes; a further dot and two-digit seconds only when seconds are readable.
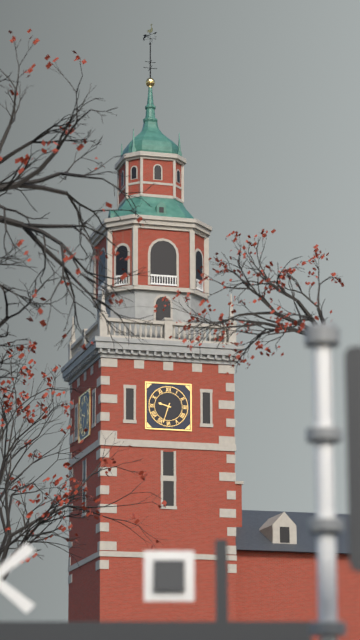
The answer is 9.33
